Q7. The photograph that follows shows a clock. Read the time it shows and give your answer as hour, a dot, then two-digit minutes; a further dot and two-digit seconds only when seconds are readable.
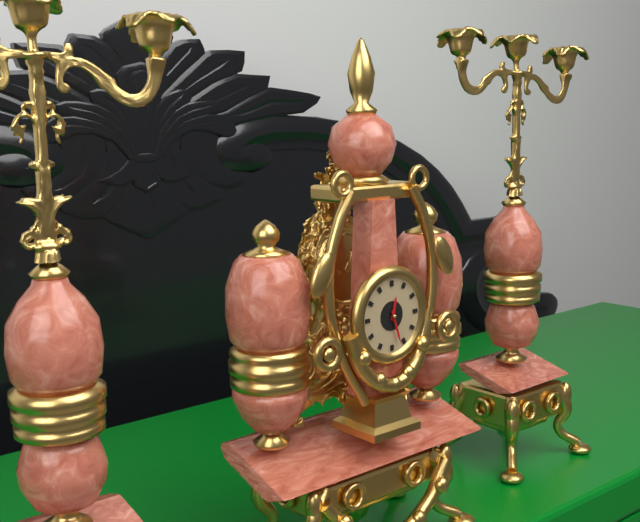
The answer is 12.27
